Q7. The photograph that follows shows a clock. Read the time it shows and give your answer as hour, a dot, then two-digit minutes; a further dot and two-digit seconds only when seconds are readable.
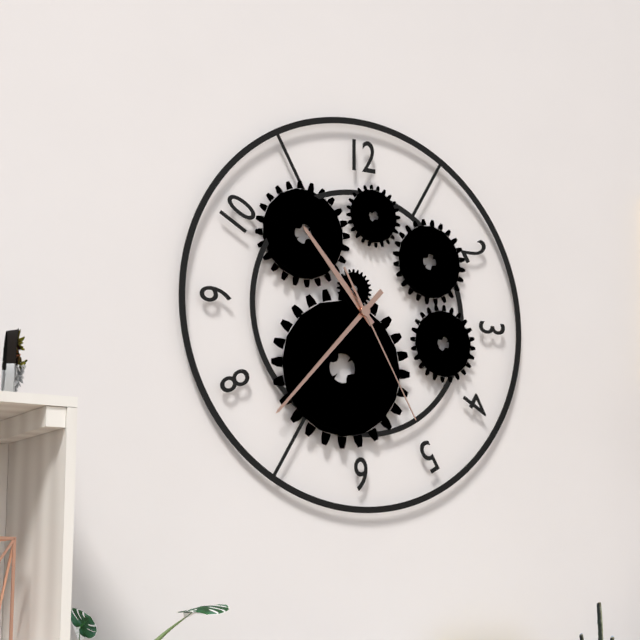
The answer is 10.37.25
